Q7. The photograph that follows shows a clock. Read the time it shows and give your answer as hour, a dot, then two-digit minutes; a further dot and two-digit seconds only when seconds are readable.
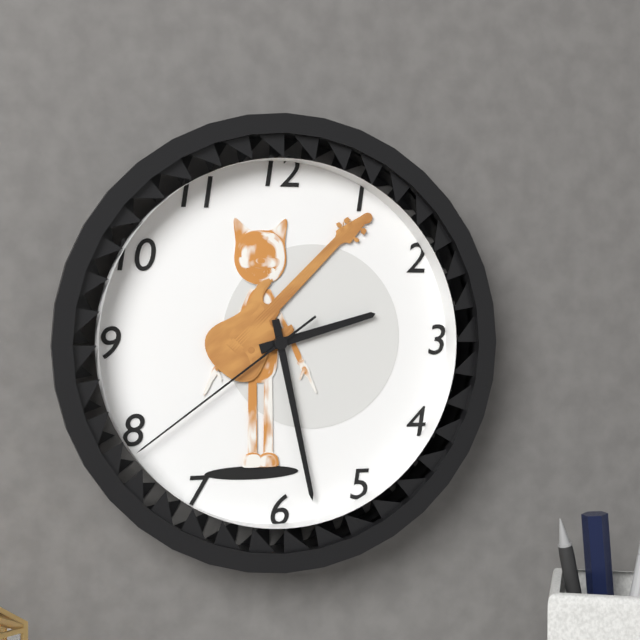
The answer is 2.28.39
